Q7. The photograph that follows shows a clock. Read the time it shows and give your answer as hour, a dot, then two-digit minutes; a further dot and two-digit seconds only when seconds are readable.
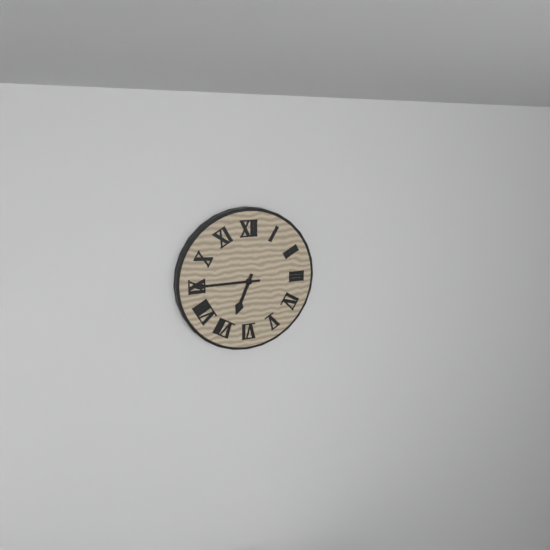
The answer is 6.45
